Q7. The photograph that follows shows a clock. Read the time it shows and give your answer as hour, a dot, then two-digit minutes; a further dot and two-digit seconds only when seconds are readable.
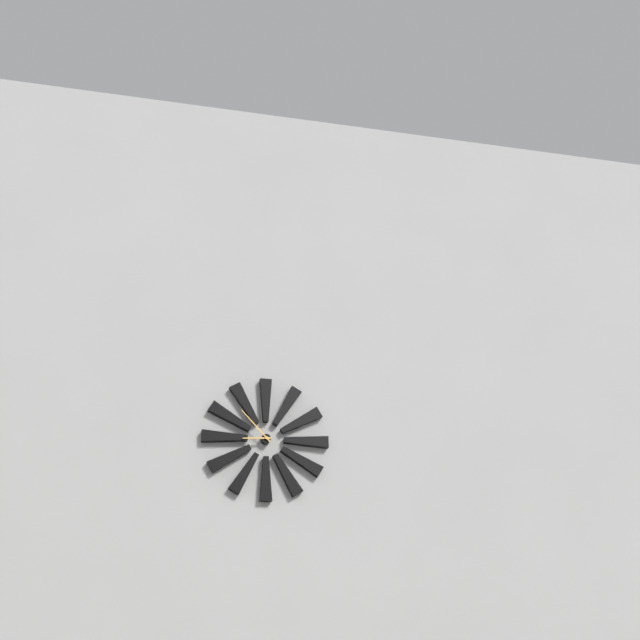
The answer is 8.53
